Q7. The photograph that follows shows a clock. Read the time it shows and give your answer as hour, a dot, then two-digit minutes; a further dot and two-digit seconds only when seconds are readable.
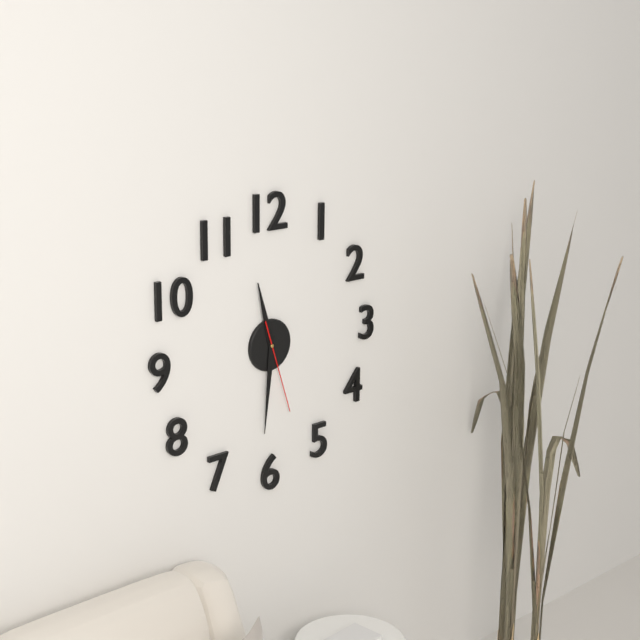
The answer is 11.31.27
